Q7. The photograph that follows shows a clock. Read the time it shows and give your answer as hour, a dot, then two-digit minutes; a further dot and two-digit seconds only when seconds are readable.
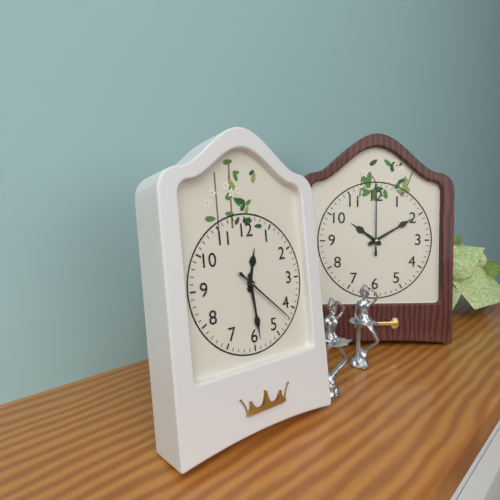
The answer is 12.29.22
